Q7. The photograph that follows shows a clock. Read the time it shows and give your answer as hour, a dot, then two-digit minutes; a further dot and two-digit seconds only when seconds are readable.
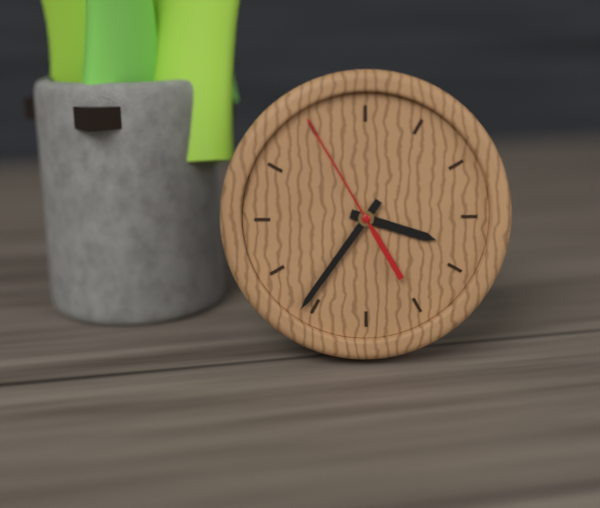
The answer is 3.36.55
